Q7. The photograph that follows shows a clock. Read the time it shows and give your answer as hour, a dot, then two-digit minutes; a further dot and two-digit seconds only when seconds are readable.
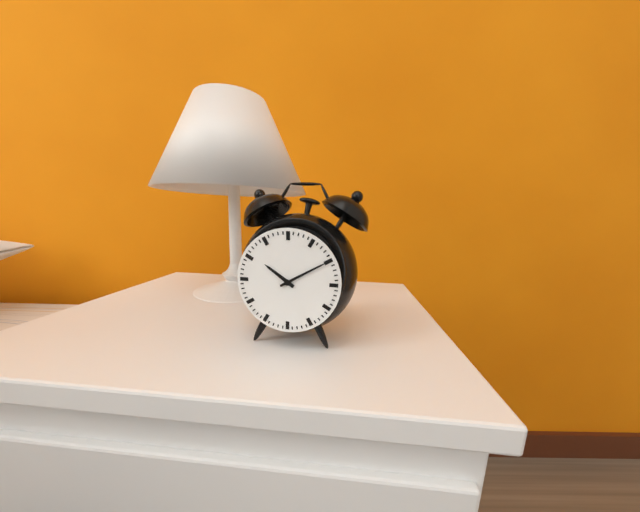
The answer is 10.10
